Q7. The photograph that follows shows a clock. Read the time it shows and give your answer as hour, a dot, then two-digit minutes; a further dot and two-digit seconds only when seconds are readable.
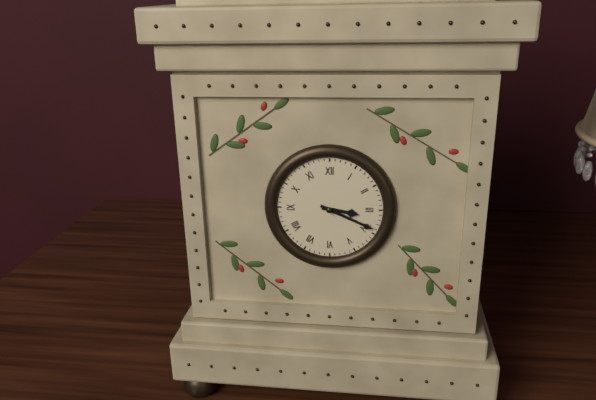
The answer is 3.19
